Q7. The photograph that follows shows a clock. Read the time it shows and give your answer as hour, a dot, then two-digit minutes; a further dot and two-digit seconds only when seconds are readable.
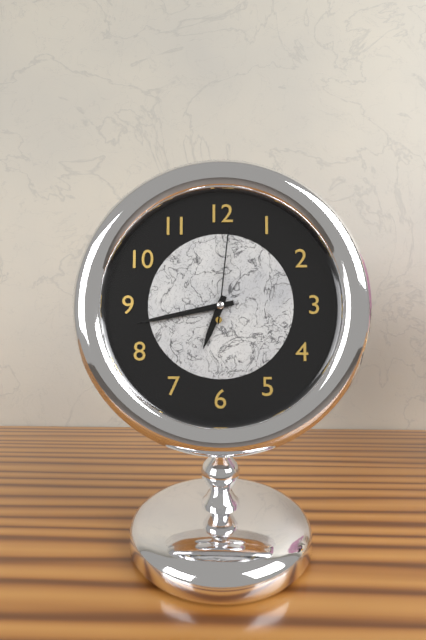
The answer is 6.43.01
